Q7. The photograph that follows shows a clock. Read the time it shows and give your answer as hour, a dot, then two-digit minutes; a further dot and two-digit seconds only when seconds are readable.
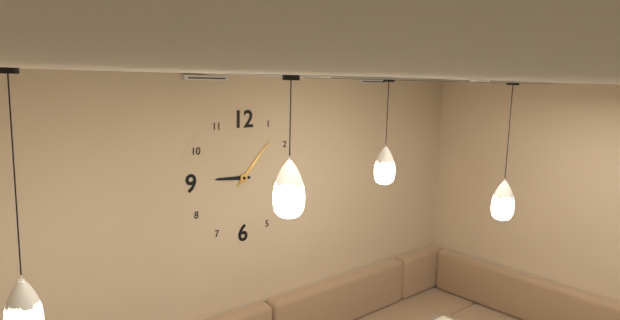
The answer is 9.07
